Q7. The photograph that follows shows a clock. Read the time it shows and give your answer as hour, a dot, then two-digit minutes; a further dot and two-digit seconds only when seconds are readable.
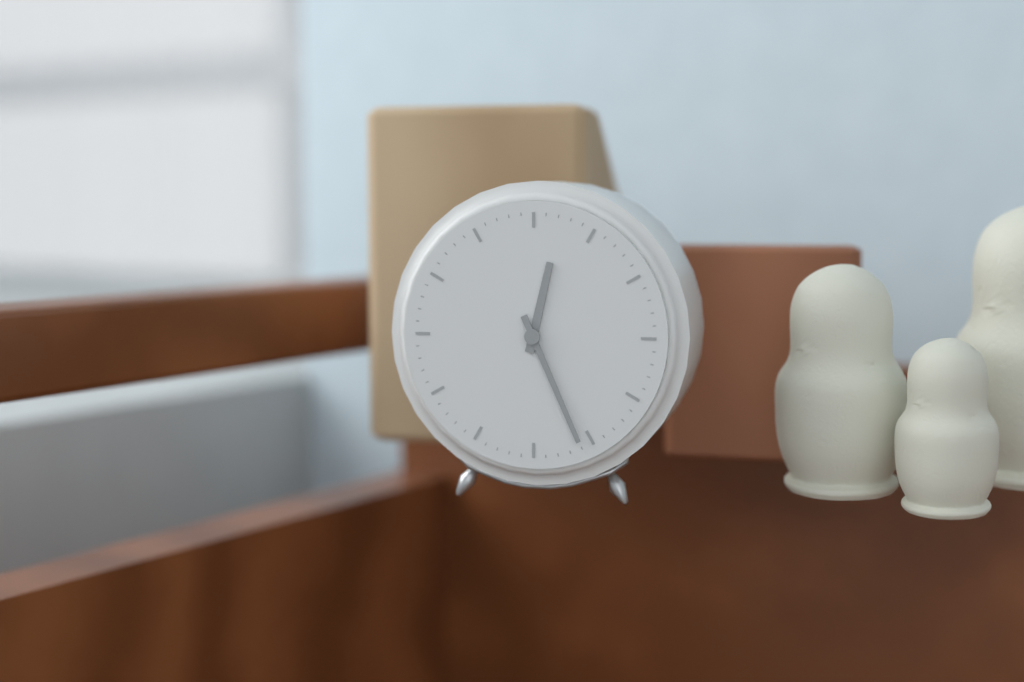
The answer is 12.26
